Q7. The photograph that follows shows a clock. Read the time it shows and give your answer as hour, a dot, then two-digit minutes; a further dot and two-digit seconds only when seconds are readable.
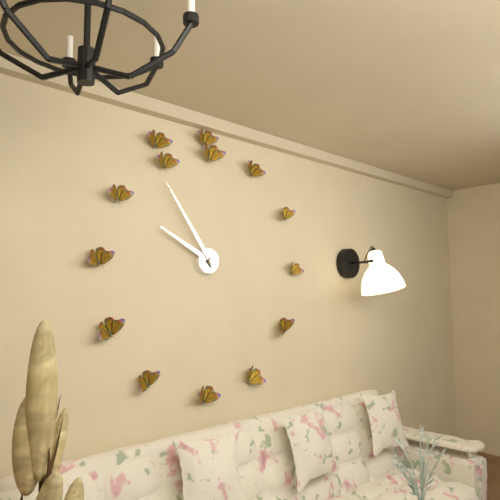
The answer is 9.54
